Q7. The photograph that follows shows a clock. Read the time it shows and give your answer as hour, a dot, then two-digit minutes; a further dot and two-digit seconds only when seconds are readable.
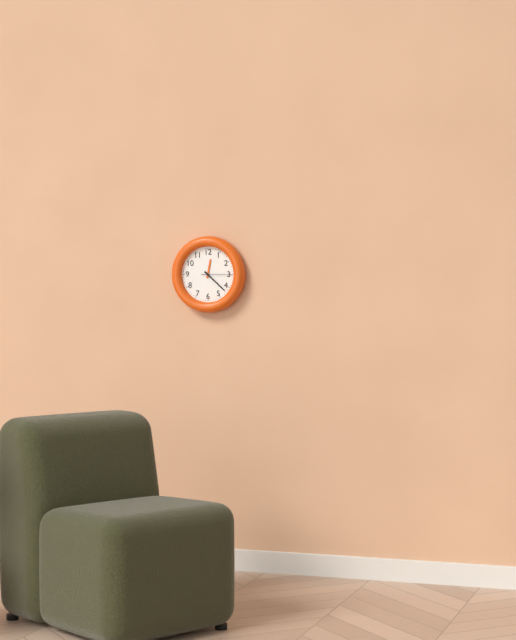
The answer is 12.22
